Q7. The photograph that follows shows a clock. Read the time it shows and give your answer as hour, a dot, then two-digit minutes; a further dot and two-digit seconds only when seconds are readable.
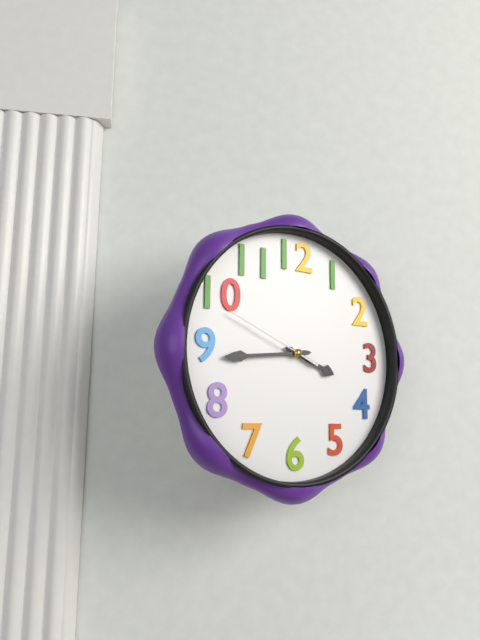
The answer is 3.44.49
